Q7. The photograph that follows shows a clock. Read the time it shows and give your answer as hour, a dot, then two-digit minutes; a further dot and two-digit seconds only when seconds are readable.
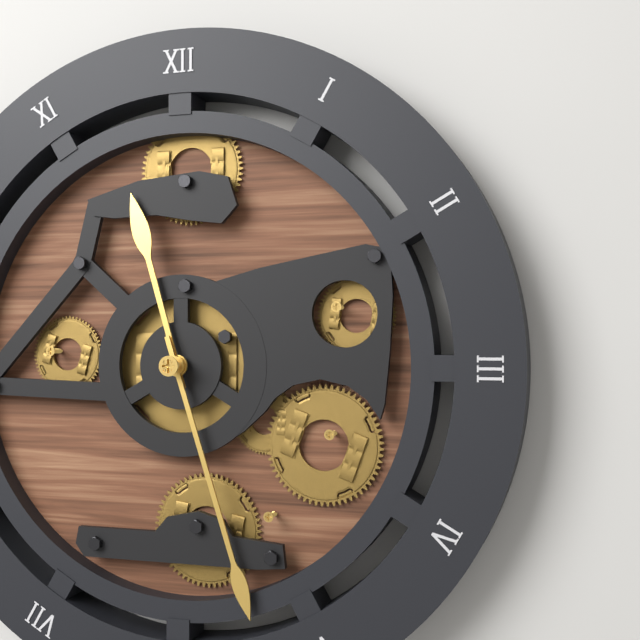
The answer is 11.27
